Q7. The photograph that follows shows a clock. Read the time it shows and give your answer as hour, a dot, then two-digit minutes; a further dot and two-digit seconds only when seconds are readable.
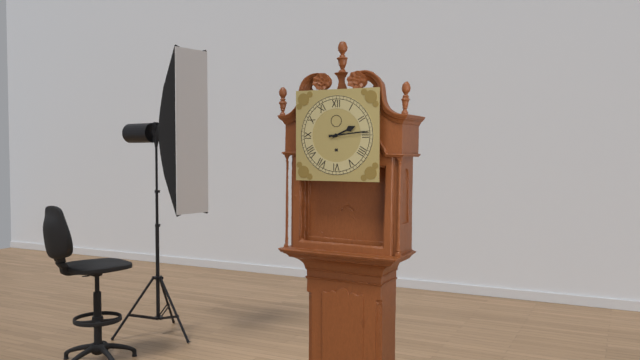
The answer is 2.14
